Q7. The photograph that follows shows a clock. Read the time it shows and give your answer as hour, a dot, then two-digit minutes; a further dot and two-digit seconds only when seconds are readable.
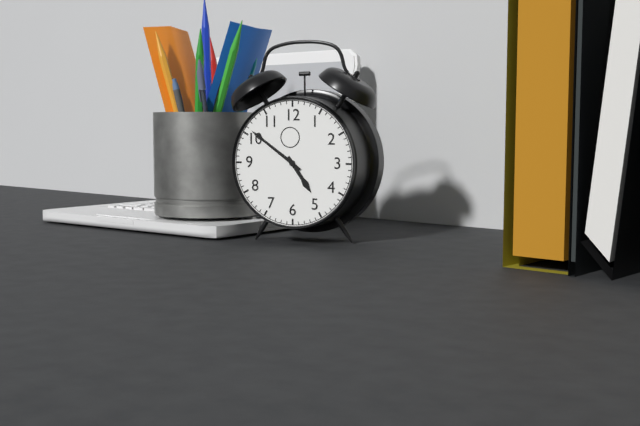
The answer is 4.51
